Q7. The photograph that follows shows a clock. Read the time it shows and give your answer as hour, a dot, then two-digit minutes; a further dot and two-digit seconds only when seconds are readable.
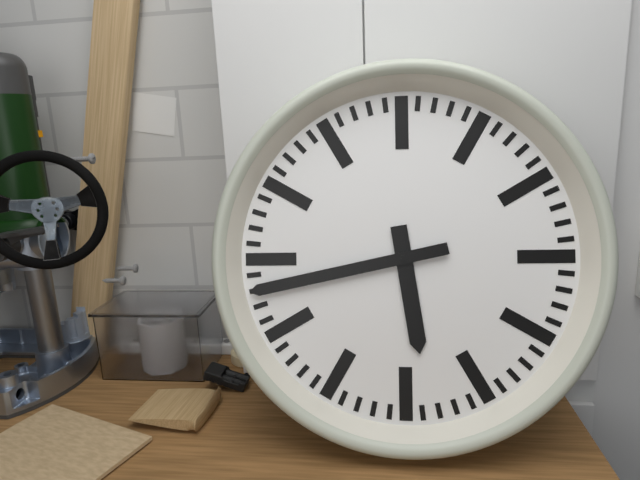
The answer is 5.43
